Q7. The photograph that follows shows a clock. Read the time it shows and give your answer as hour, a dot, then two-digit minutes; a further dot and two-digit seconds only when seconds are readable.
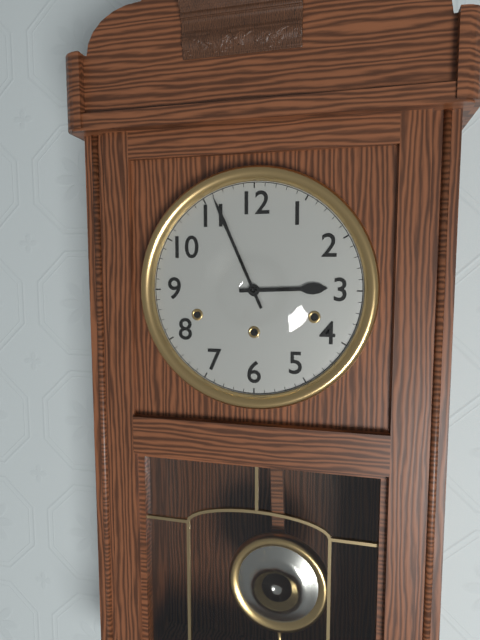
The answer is 2.56
